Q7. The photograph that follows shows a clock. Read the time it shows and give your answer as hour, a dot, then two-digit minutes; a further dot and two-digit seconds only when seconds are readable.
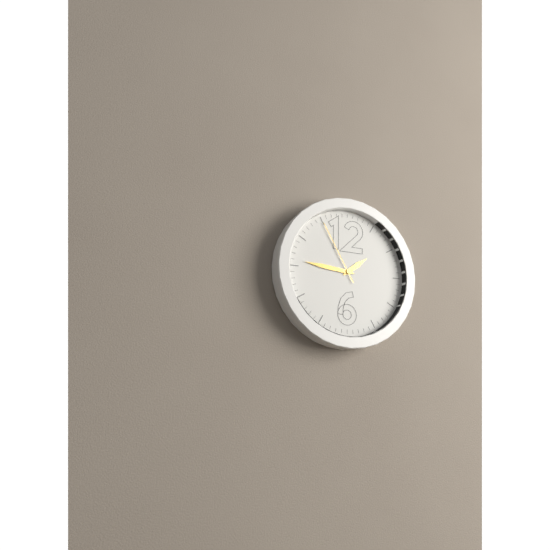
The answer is 1.46.55
